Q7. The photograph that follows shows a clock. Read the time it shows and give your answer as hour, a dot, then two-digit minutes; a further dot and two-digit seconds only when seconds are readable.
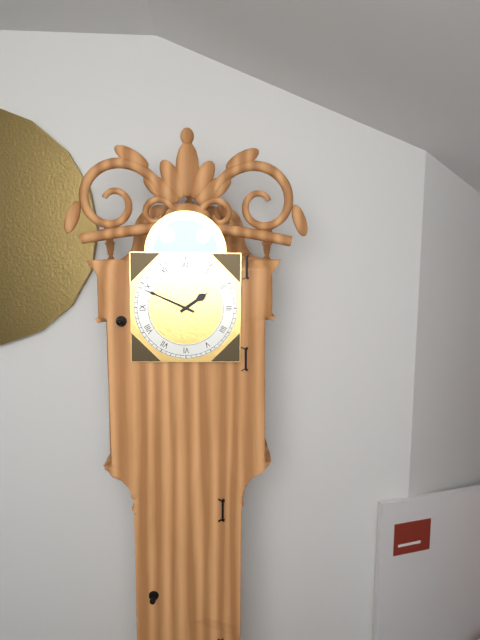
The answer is 1.49
